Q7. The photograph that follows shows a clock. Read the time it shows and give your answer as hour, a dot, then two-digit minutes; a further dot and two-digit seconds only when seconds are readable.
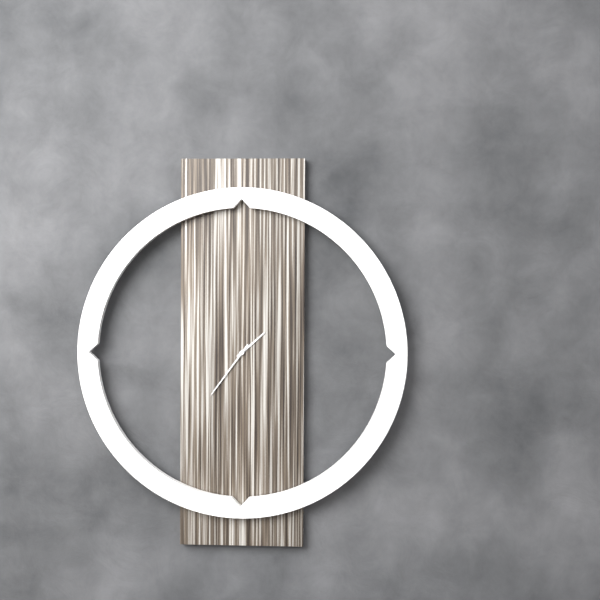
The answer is 1.36
